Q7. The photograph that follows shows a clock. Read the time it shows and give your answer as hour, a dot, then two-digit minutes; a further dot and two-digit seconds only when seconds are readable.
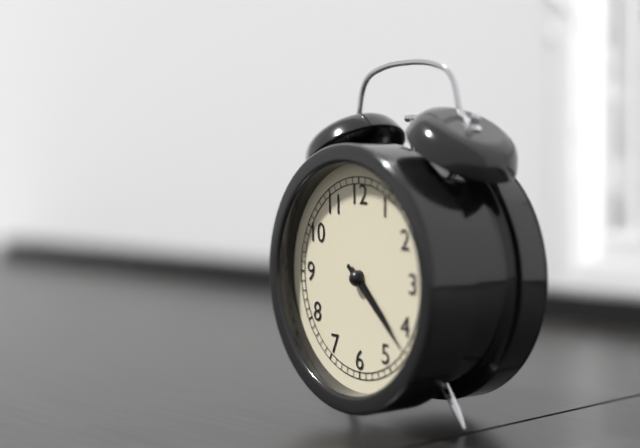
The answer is 4.22
